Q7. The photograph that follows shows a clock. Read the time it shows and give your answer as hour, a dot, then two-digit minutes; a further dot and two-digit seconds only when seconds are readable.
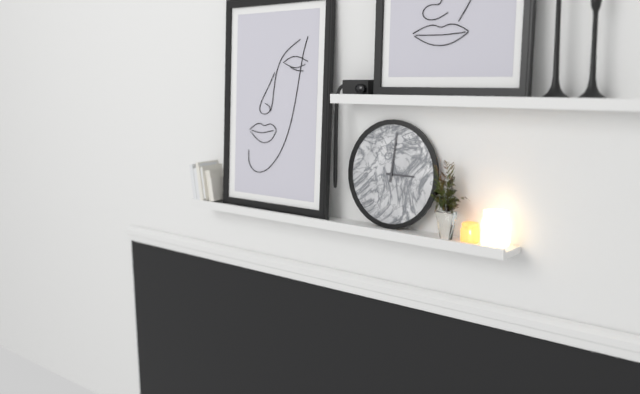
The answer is 3.01
